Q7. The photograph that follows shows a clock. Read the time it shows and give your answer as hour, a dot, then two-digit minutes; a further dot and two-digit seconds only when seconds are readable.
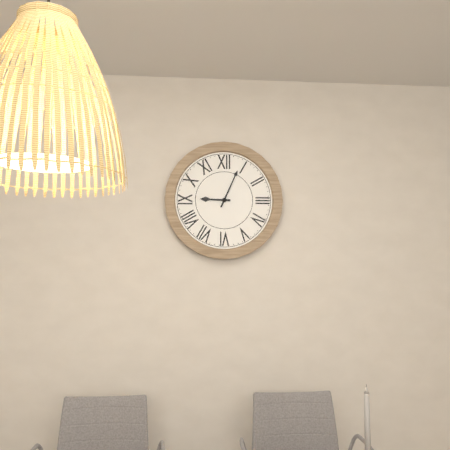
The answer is 9.04
